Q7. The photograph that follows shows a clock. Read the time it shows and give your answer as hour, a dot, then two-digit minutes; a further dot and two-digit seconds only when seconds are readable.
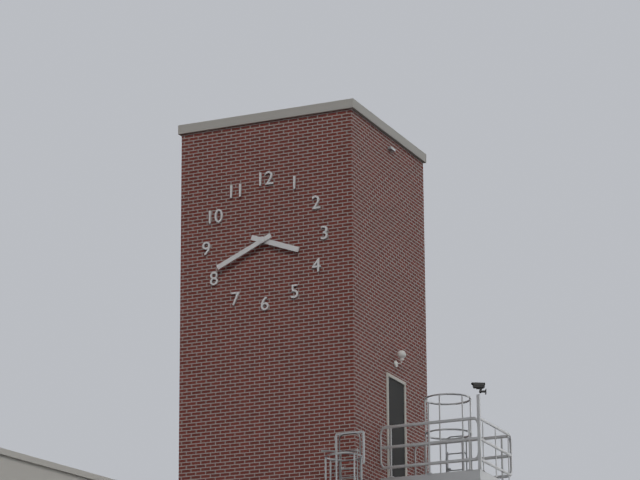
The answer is 3.41
